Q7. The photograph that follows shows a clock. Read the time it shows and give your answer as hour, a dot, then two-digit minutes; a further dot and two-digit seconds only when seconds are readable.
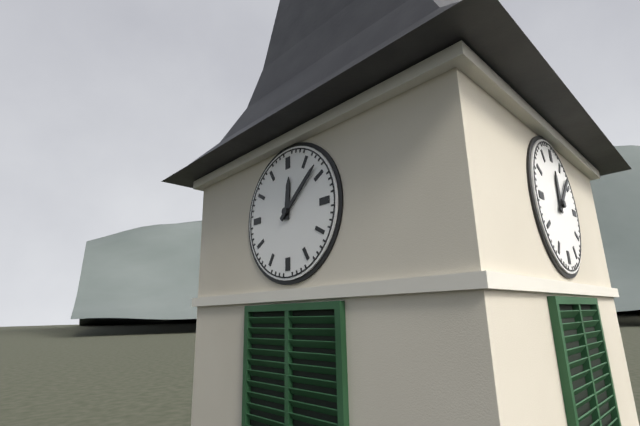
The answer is 12.08
